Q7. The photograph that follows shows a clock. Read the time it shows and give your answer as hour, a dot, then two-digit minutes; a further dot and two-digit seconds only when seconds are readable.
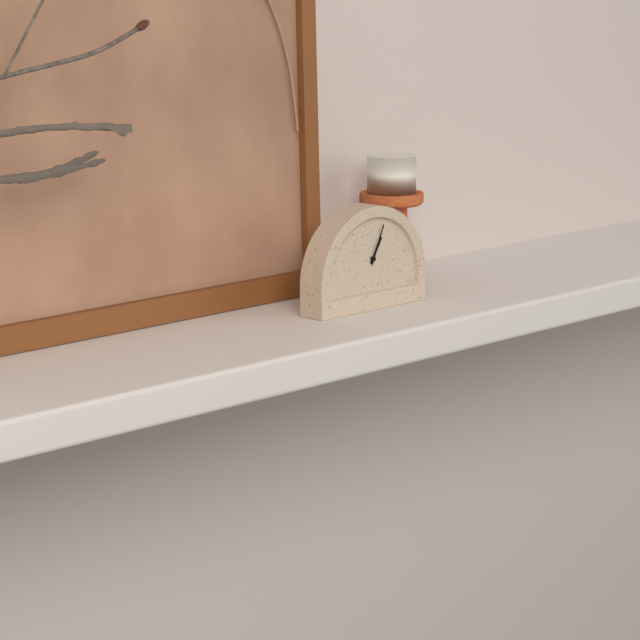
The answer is 1.04
